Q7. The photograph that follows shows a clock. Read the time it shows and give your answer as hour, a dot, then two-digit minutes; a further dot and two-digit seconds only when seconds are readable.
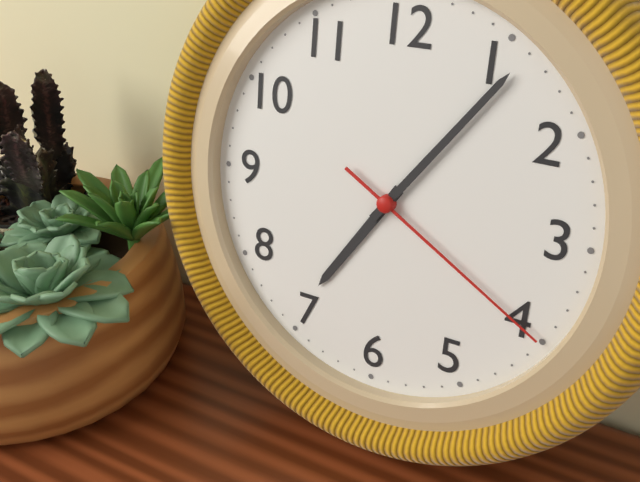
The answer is 7.06.20
